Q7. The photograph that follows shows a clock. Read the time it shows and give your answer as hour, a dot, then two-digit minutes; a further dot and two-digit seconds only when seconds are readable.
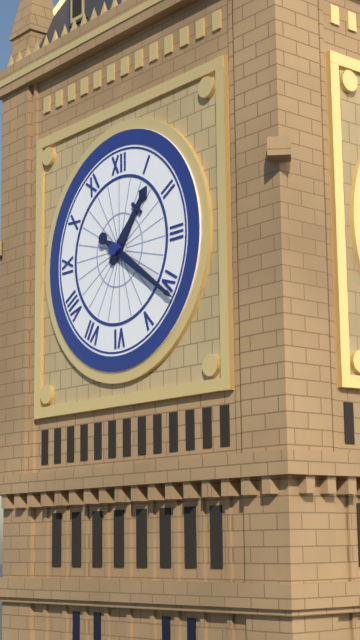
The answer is 1.21
